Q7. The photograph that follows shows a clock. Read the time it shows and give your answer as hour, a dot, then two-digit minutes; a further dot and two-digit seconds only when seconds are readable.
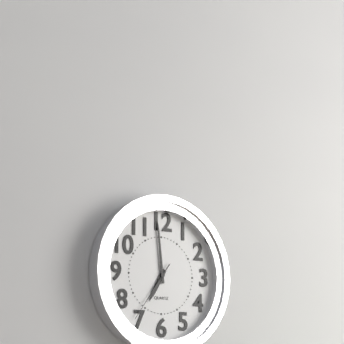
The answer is 6.59.36
